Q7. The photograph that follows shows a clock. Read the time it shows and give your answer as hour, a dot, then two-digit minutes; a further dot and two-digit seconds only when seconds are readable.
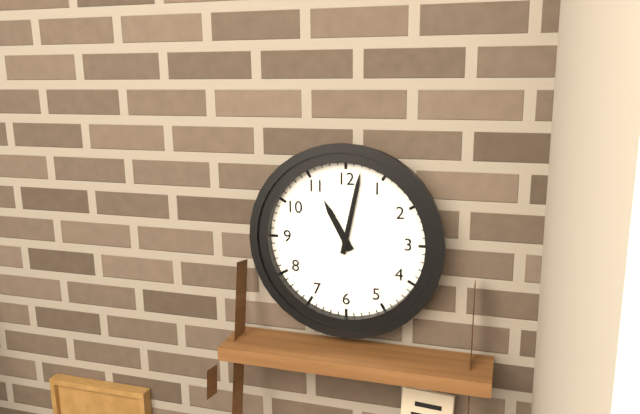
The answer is 11.02
